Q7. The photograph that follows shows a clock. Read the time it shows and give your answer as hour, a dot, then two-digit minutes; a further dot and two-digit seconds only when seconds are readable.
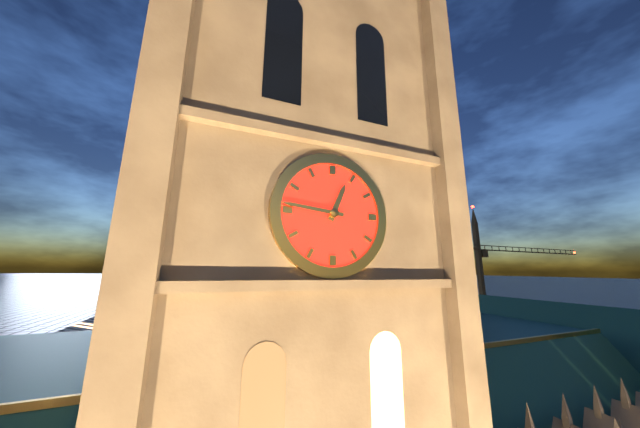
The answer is 12.46
